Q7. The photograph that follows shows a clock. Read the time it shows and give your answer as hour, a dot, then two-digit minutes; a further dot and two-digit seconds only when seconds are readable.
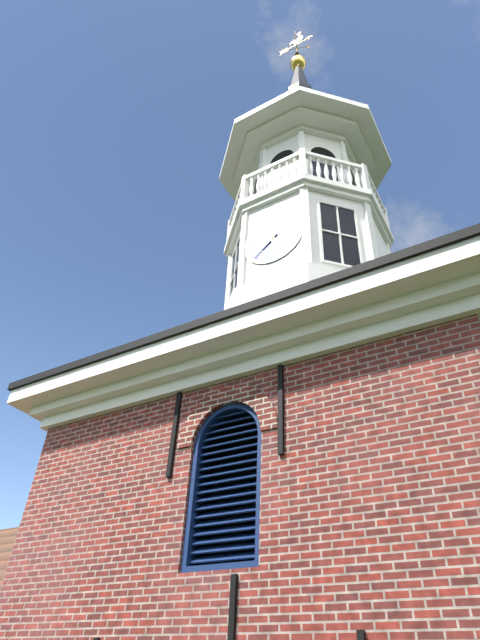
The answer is 5.38
